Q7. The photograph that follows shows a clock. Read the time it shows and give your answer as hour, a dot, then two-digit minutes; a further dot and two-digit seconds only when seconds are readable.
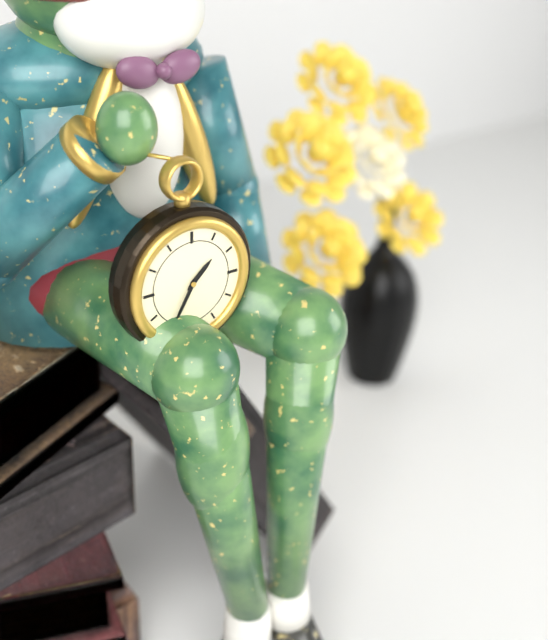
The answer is 1.35
